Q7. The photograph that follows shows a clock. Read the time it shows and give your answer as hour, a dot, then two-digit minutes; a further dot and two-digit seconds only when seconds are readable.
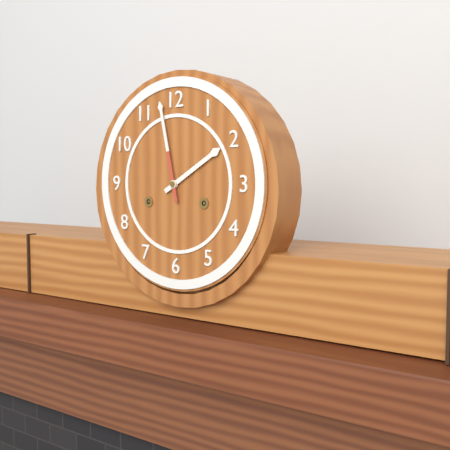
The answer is 1.58
